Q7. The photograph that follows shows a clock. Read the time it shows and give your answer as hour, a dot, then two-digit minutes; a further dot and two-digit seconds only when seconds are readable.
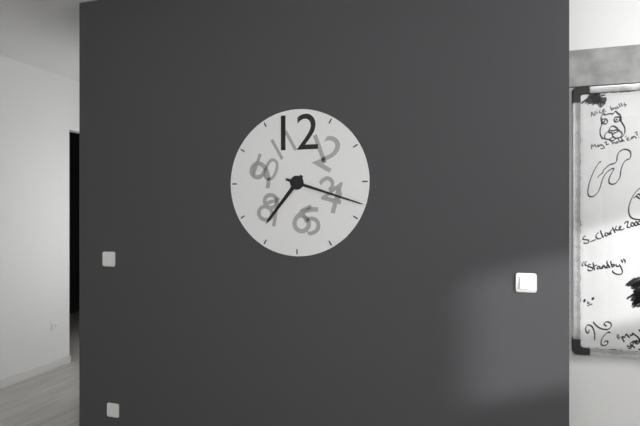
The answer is 7.18
